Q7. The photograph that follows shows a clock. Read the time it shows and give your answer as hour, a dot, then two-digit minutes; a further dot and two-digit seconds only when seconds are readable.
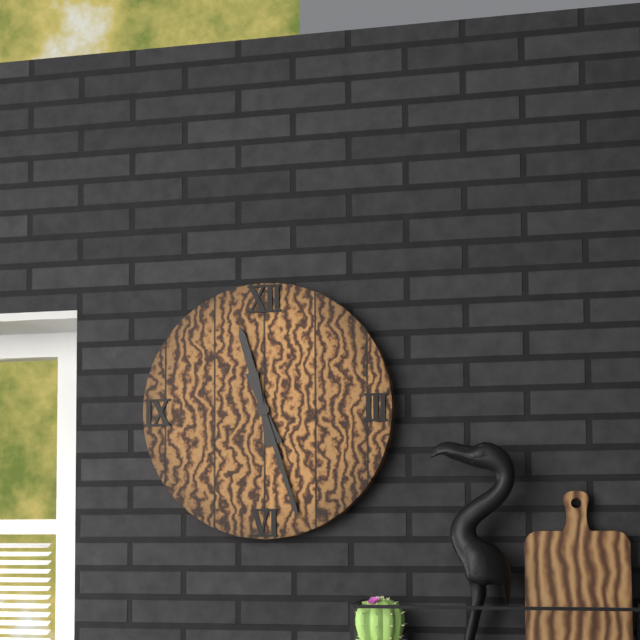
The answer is 11.27
